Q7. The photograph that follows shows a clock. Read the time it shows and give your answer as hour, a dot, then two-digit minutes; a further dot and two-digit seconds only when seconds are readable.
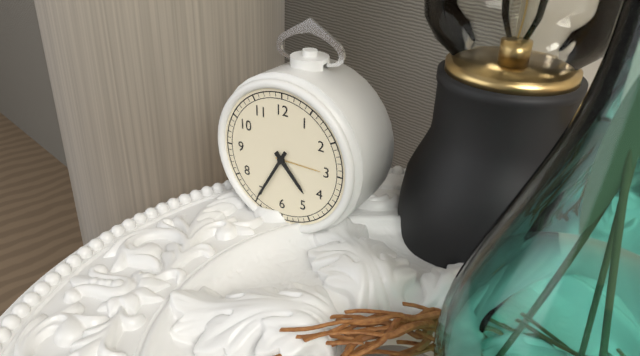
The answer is 4.35
